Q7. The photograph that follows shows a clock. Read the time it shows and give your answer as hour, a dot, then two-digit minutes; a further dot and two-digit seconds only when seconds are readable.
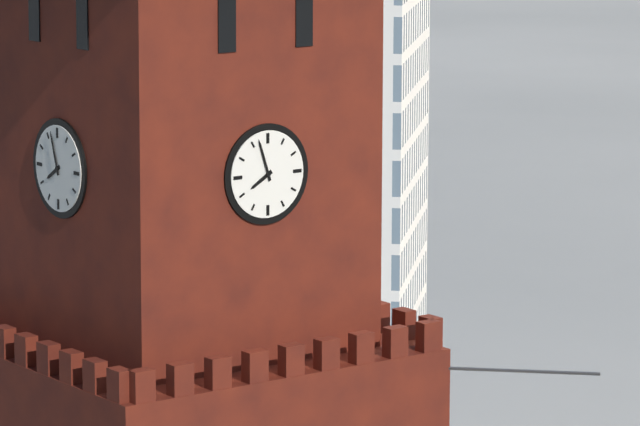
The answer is 7.57
